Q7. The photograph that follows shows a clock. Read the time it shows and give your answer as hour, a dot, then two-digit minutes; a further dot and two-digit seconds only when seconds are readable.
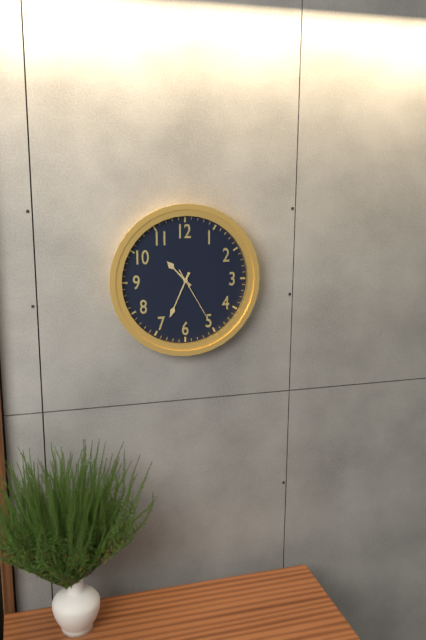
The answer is 10.34.25
